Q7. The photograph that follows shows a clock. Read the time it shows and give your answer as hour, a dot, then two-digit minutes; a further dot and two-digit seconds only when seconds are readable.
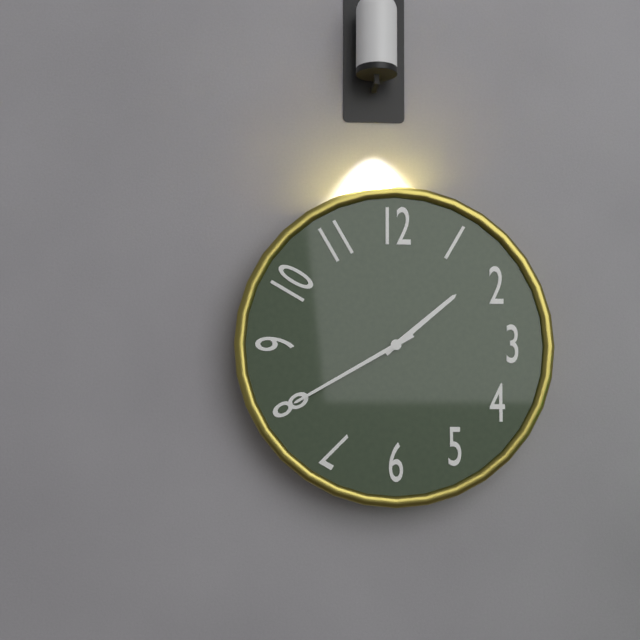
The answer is 1.40
